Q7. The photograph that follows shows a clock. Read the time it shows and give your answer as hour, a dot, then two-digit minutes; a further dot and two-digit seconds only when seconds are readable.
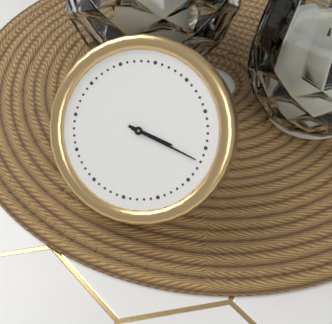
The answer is 3.17
